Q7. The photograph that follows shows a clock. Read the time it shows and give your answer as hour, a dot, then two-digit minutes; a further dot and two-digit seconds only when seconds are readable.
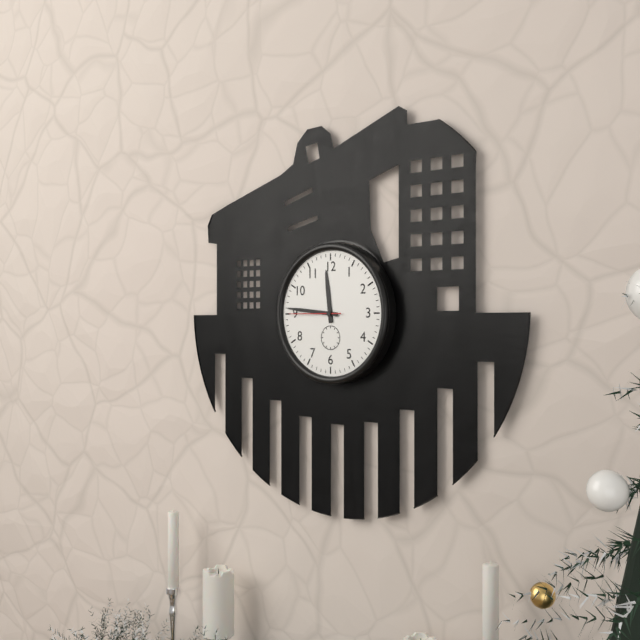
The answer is 11.46.45
